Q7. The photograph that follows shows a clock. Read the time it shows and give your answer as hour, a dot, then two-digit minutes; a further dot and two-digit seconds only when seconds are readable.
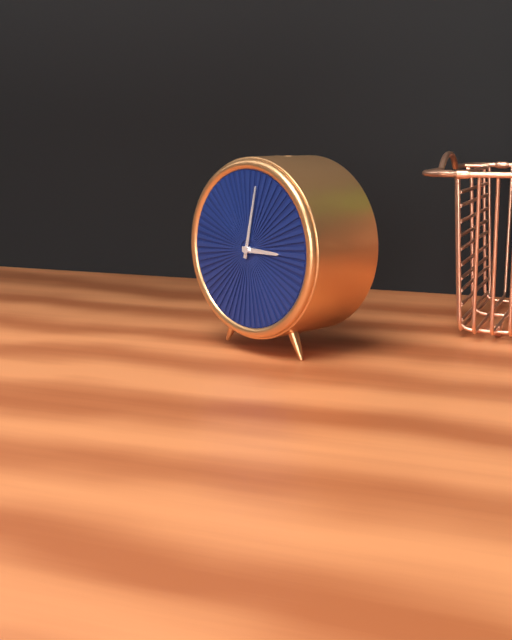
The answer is 3.02
